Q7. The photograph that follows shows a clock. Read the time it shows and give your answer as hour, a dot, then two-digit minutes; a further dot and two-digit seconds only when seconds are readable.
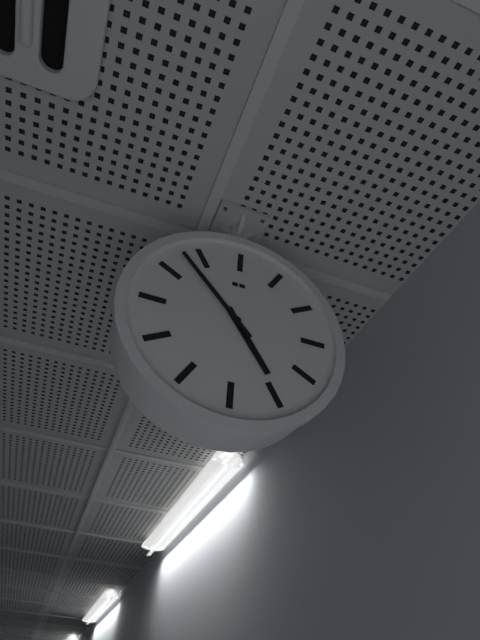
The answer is 4.53
